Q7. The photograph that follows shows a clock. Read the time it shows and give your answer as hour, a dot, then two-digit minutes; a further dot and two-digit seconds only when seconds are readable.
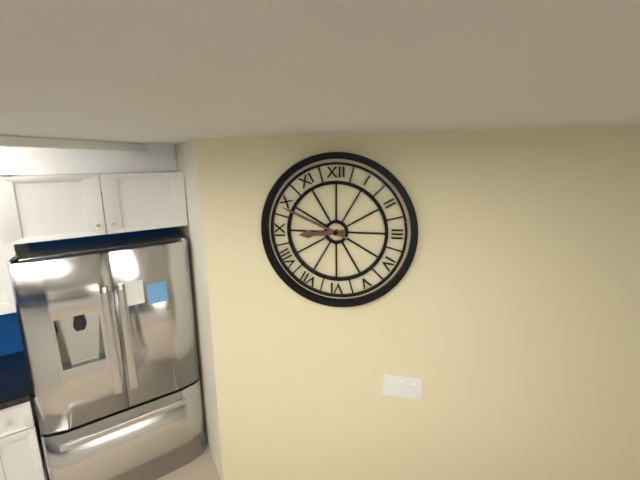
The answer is 8.49
